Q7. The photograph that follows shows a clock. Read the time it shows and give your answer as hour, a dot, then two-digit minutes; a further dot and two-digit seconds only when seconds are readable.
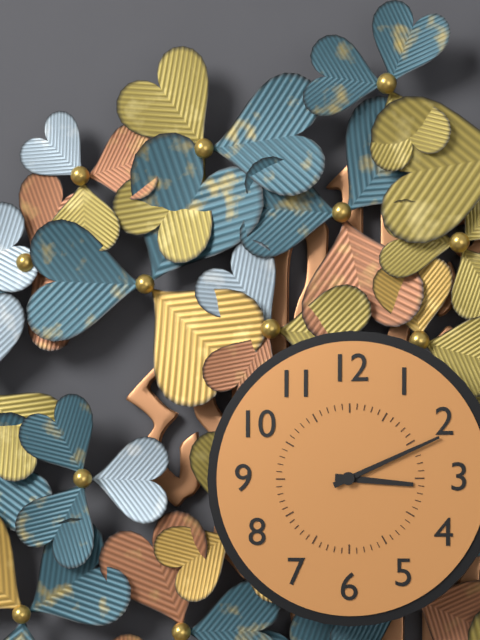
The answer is 3.11
